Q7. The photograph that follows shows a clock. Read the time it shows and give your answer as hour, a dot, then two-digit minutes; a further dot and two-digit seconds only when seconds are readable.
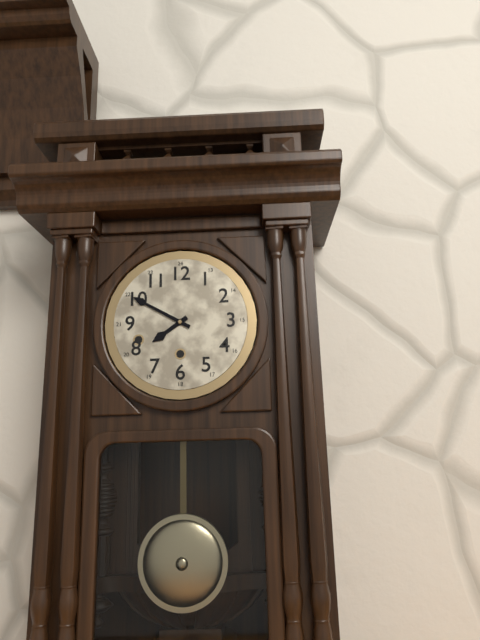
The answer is 7.50
